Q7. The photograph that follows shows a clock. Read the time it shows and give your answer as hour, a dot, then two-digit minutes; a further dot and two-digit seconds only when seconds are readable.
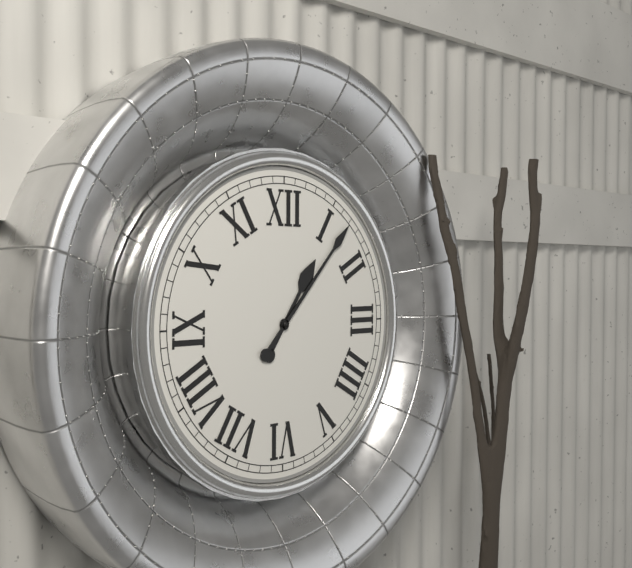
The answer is 1.07
